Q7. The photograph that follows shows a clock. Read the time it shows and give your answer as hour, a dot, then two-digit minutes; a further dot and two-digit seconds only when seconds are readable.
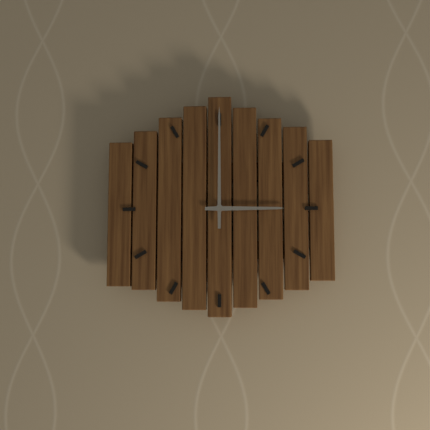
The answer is 3.00
